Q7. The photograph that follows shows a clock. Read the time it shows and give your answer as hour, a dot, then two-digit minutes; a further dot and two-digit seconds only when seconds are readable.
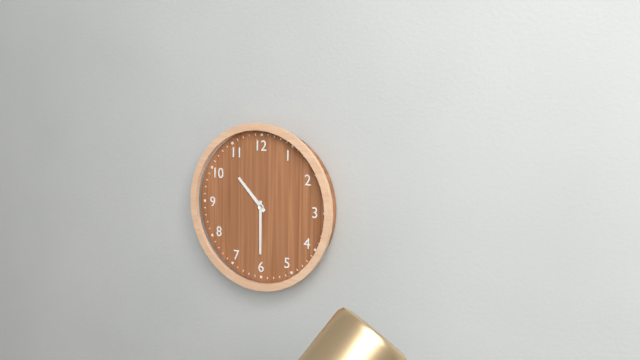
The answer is 10.30
